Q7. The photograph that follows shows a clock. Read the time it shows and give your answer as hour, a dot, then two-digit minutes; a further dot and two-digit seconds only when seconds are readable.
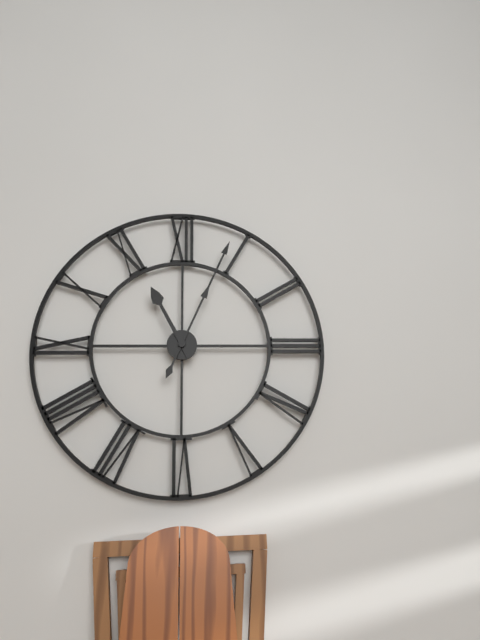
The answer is 11.04
